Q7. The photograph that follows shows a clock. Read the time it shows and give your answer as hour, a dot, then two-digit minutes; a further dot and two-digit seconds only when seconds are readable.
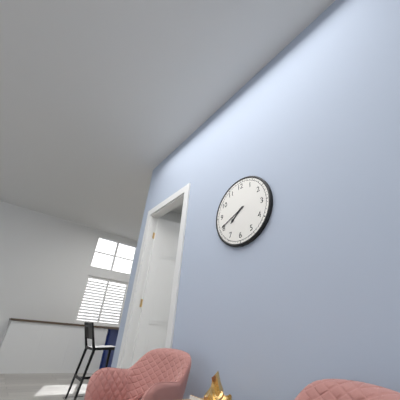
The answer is 7.41
